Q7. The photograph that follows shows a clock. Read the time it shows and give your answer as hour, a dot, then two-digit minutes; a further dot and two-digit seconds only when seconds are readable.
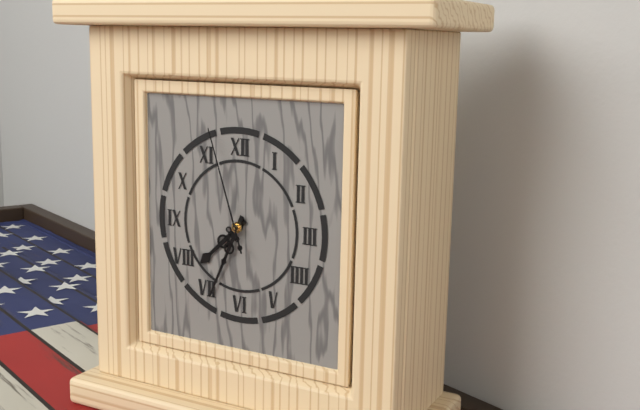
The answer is 7.34.57
